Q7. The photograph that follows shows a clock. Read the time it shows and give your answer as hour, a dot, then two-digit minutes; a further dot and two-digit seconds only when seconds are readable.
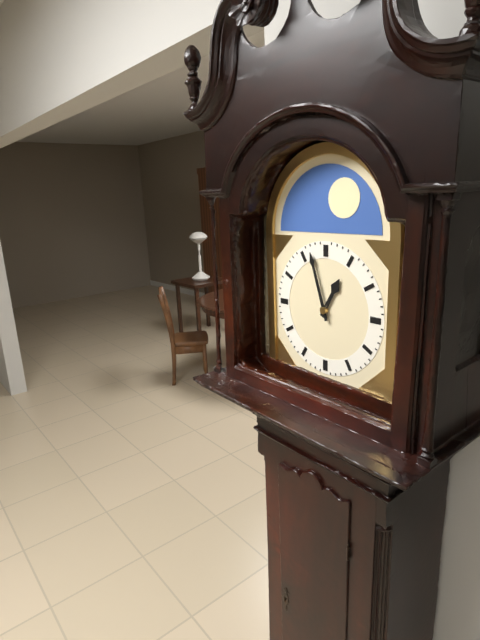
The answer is 12.57
